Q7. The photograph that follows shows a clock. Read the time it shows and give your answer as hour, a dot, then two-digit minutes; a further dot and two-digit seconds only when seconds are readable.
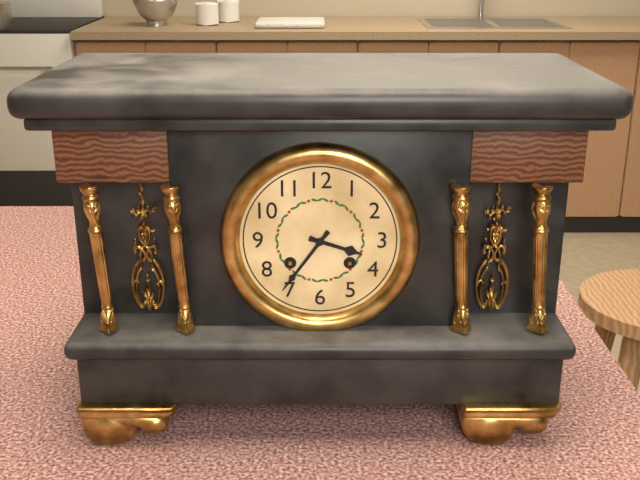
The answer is 3.36
